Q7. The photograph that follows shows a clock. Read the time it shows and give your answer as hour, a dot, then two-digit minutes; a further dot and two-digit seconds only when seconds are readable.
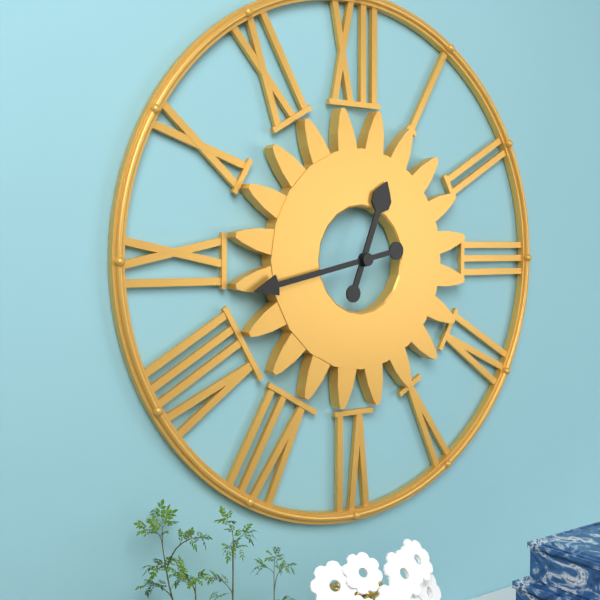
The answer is 12.43
